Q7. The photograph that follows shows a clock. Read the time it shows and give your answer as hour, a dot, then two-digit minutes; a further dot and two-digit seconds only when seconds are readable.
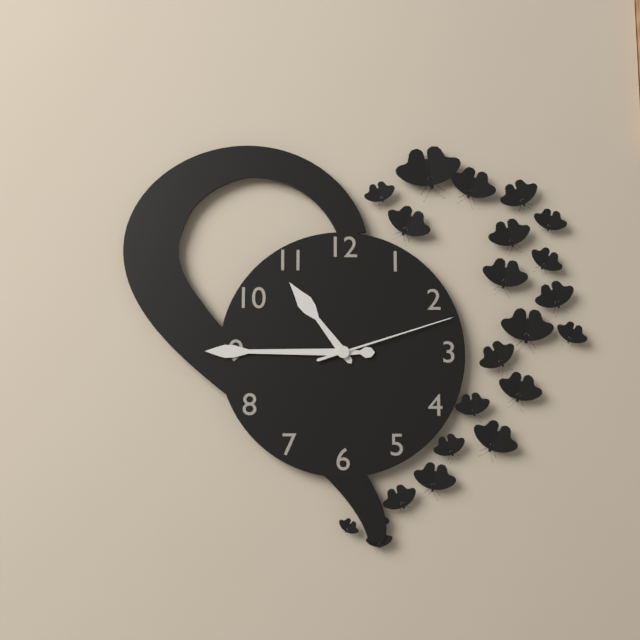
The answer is 10.45.12
